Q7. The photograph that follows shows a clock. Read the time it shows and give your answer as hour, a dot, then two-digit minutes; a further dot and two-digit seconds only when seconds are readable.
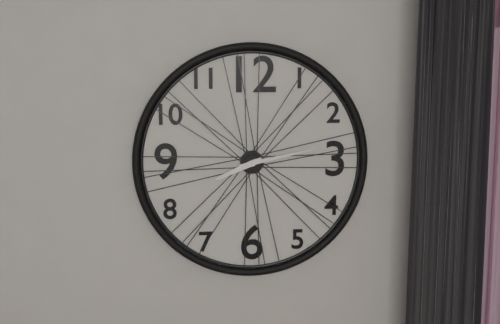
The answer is 8.13
